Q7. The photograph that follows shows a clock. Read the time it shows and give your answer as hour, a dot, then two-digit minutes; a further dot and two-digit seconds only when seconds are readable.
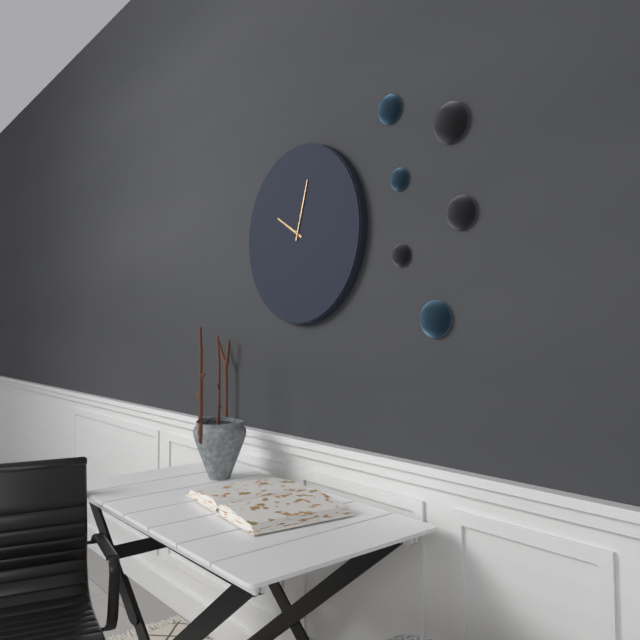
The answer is 10.03
